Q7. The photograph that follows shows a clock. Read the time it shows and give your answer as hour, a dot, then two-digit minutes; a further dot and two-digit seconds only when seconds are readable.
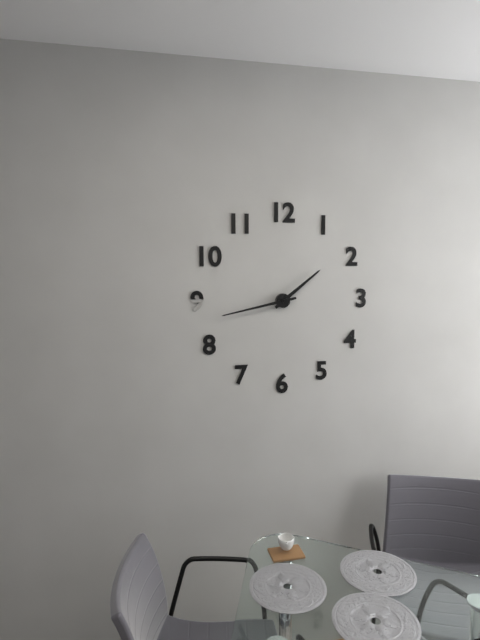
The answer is 1.43
